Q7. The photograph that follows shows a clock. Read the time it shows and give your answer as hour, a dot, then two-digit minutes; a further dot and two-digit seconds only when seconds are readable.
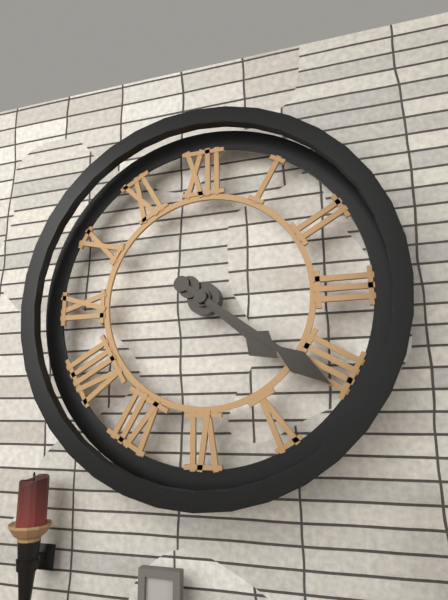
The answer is 4.21
